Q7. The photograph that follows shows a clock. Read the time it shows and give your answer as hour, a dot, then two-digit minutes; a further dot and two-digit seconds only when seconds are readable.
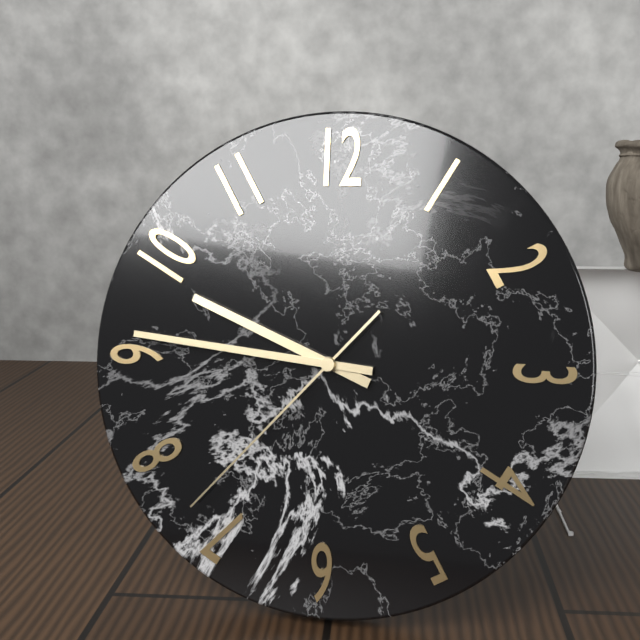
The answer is 9.46.37
